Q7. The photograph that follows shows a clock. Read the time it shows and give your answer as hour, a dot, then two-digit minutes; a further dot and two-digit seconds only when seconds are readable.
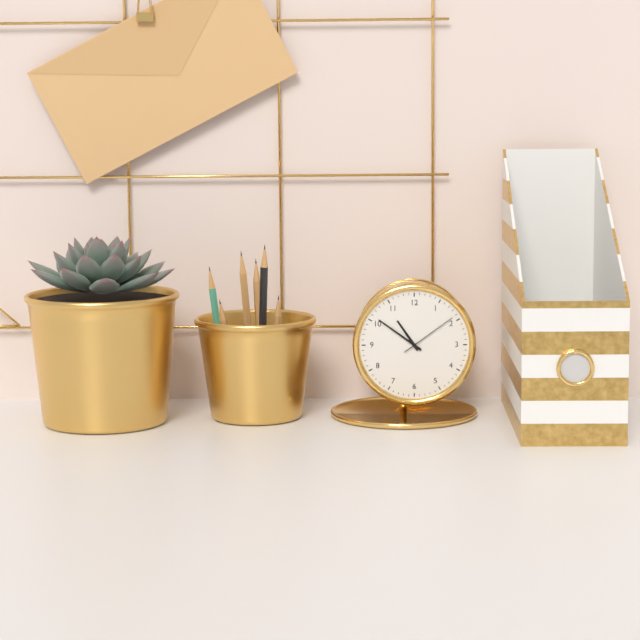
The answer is 10.51.09
